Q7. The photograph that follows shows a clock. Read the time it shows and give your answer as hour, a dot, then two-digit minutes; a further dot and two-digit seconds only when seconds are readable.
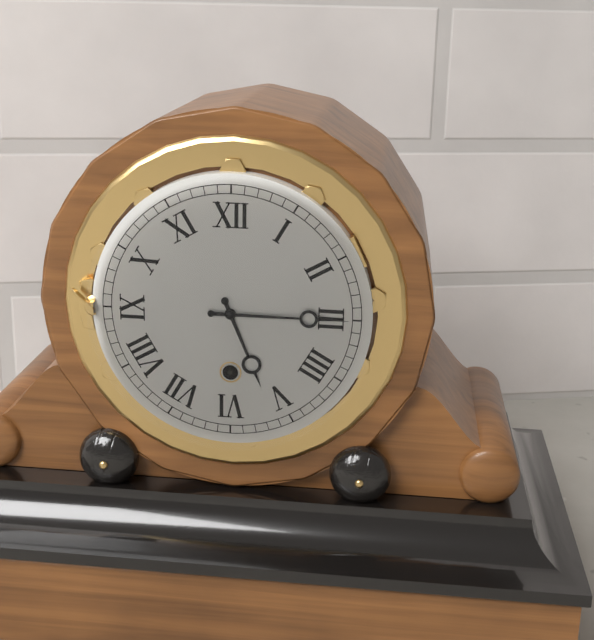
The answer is 5.15
